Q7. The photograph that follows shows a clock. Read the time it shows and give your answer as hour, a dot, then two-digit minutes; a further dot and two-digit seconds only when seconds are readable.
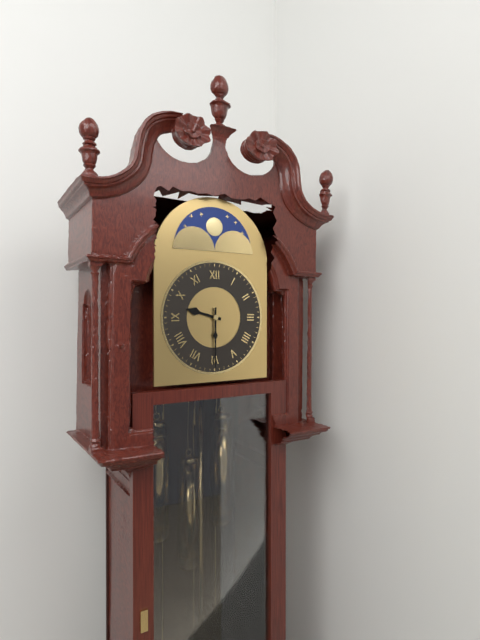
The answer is 9.30
